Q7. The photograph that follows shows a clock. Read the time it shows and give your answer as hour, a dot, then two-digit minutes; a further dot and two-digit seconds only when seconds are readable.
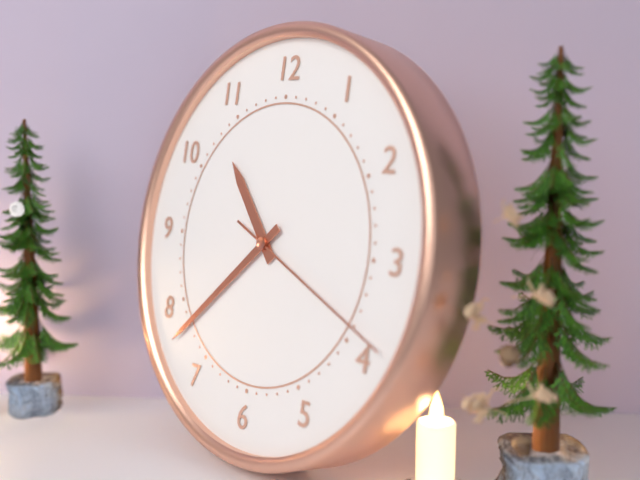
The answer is 10.38.19
